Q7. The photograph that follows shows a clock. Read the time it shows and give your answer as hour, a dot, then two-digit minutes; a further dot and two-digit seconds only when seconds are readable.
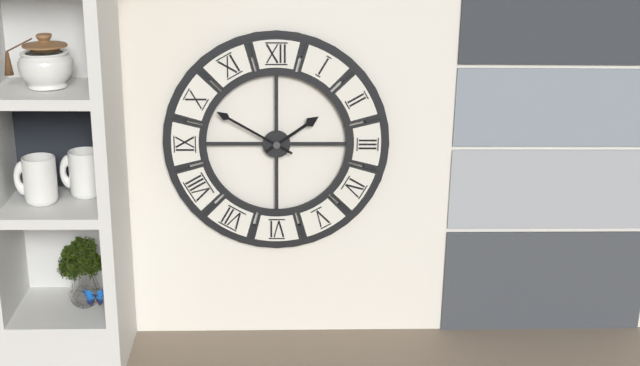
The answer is 1.50
